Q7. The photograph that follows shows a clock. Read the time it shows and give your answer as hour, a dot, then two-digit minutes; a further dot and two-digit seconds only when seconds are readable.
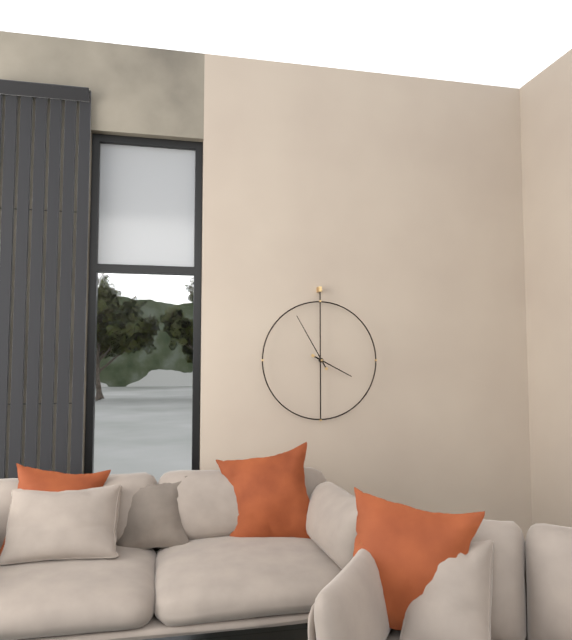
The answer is 3.55
